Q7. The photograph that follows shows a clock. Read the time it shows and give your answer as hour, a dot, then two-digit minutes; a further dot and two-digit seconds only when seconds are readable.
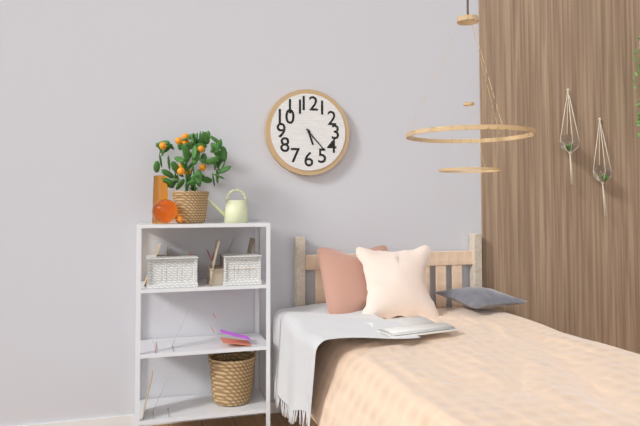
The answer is 5.23
